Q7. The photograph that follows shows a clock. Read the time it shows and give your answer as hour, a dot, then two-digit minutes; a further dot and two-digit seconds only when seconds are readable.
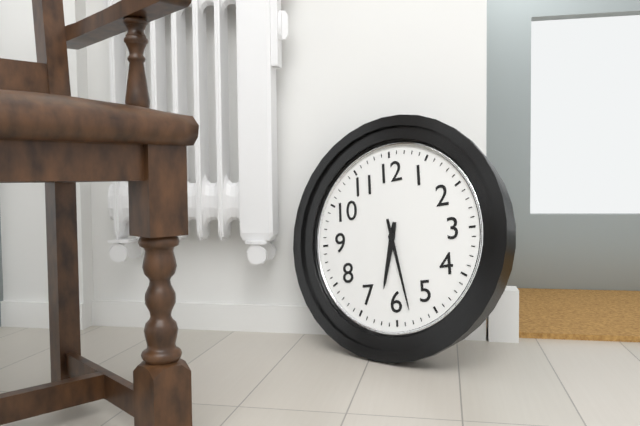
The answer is 6.28
